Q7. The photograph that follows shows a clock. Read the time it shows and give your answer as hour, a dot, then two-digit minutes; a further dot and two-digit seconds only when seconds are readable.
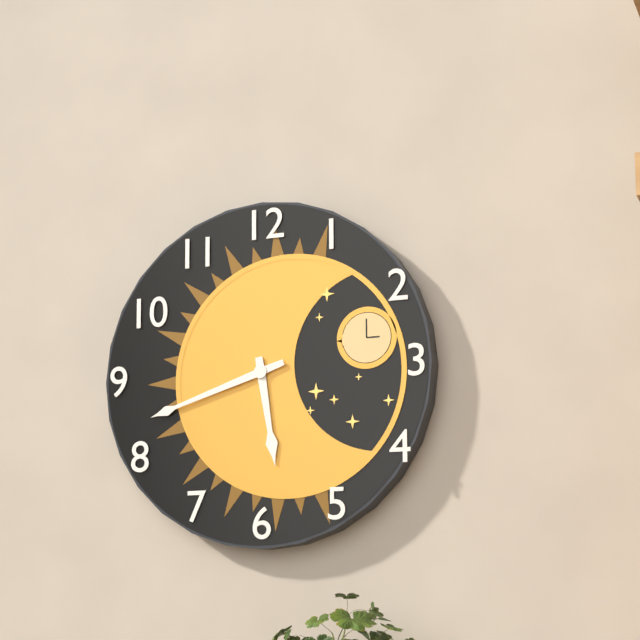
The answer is 5.42
